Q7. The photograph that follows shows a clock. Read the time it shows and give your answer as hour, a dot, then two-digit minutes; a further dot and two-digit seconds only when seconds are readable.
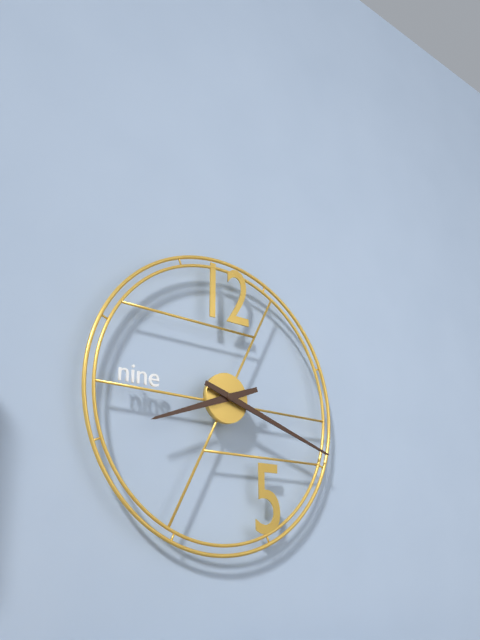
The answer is 8.18
